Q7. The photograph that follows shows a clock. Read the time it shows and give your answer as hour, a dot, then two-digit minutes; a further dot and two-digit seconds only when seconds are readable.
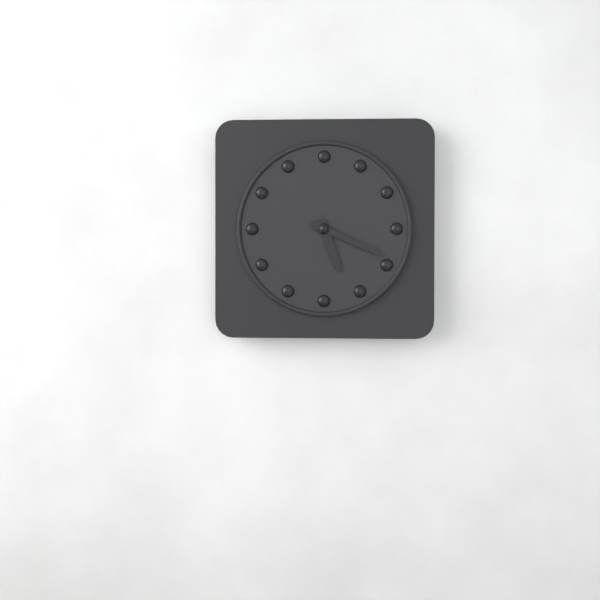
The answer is 5.19
